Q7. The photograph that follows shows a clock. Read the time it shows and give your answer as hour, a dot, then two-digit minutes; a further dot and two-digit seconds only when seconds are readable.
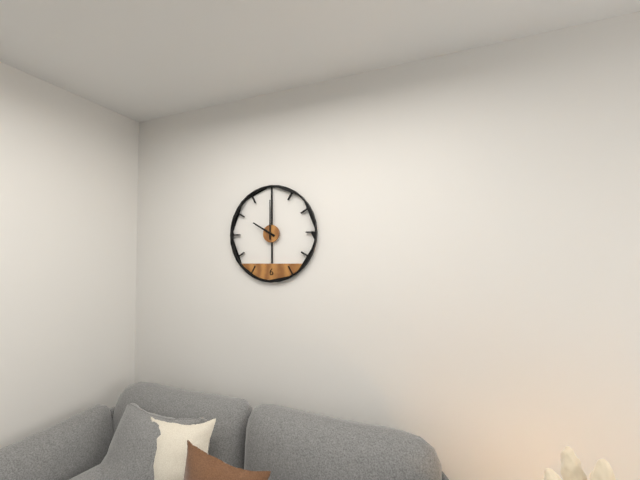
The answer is 10.00
